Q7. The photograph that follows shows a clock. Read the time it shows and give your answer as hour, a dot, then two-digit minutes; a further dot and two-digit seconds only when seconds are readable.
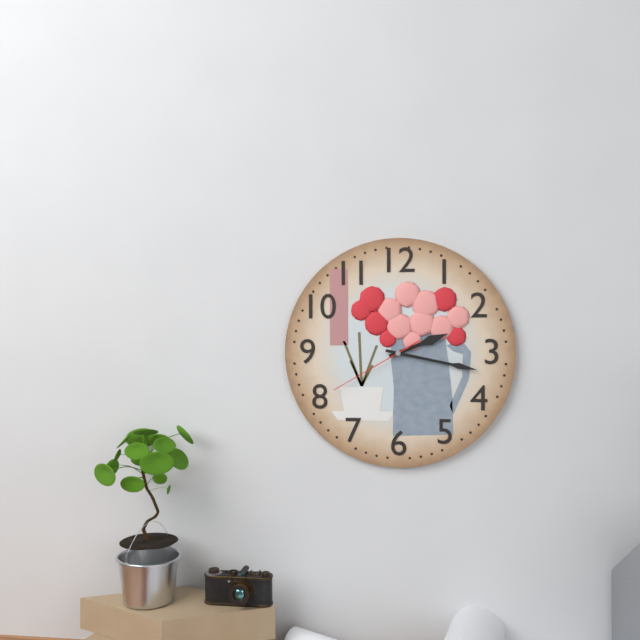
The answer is 2.17.40
